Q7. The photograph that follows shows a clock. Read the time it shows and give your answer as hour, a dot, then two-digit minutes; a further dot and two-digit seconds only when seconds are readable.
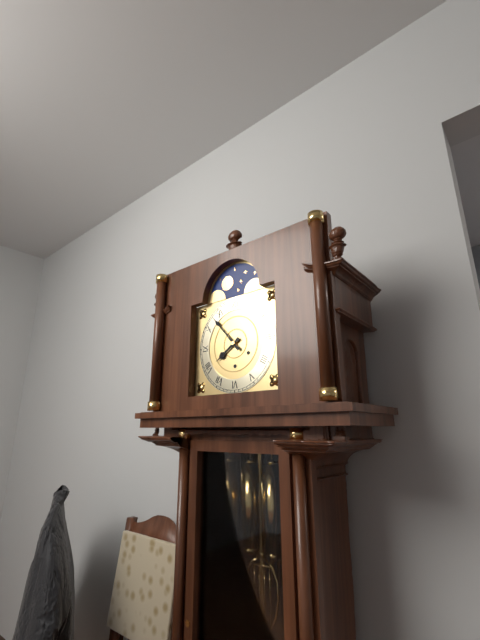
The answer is 7.53
